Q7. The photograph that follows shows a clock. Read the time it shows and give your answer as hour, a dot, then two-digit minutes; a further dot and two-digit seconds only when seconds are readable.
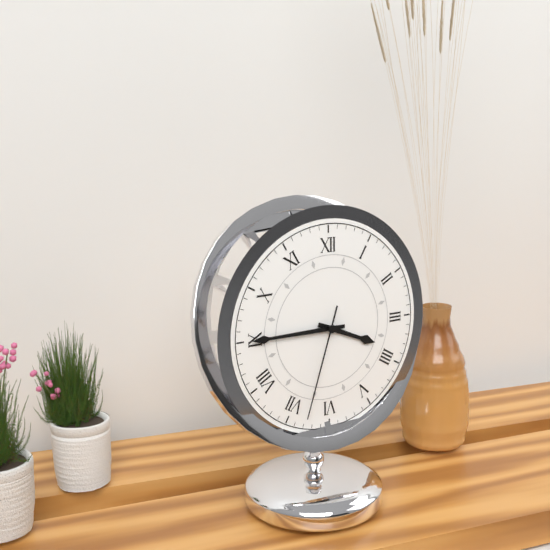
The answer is 3.45.33
